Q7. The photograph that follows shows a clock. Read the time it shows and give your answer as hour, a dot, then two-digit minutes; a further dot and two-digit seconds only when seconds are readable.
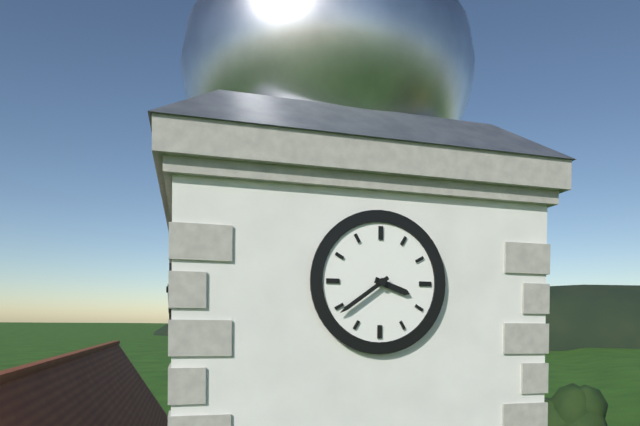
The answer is 3.39
